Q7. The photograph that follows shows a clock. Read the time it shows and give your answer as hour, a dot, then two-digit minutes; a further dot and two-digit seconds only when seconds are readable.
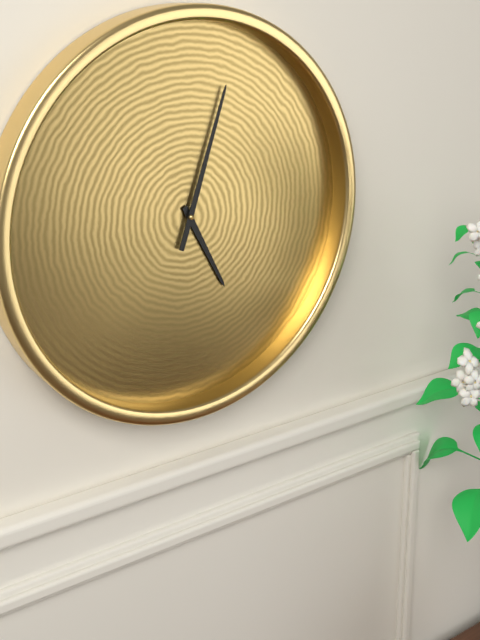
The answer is 5.03
